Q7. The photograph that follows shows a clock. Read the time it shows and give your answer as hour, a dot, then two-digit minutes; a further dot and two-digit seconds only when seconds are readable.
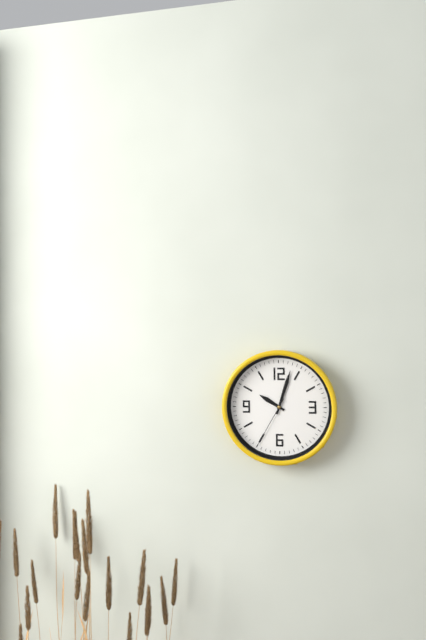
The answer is 10.03.35
